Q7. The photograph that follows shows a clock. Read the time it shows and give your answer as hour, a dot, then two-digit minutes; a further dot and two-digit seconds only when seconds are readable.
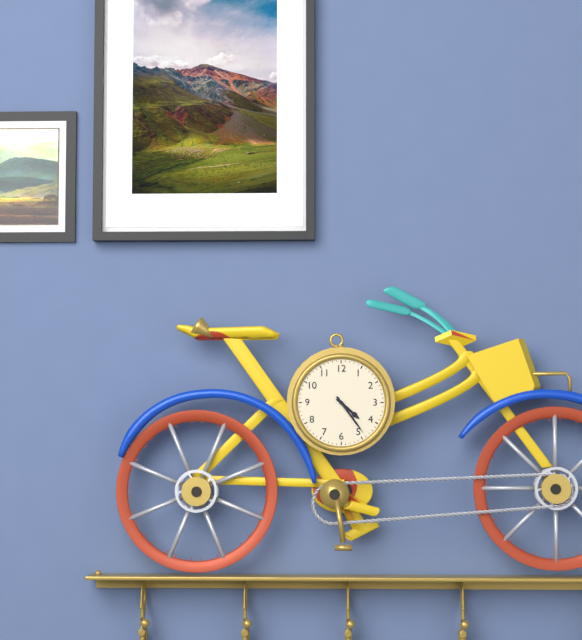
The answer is 4.24
